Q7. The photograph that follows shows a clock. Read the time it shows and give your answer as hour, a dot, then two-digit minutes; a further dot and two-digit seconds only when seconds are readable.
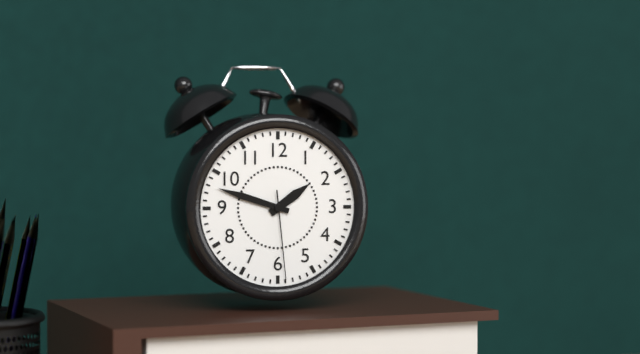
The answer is 1.48.29
